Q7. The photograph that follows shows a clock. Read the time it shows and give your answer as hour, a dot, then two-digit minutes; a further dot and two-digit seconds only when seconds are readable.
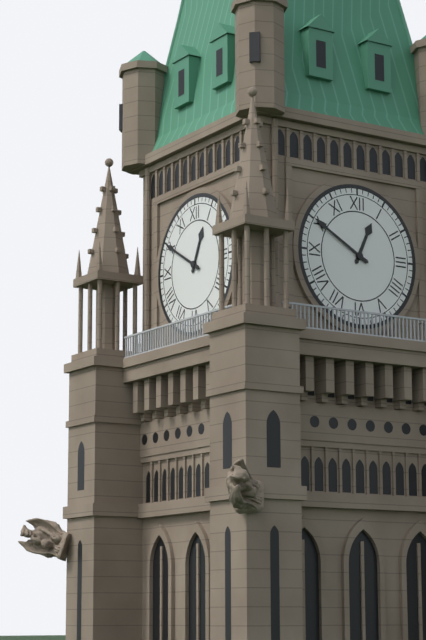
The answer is 12.50
